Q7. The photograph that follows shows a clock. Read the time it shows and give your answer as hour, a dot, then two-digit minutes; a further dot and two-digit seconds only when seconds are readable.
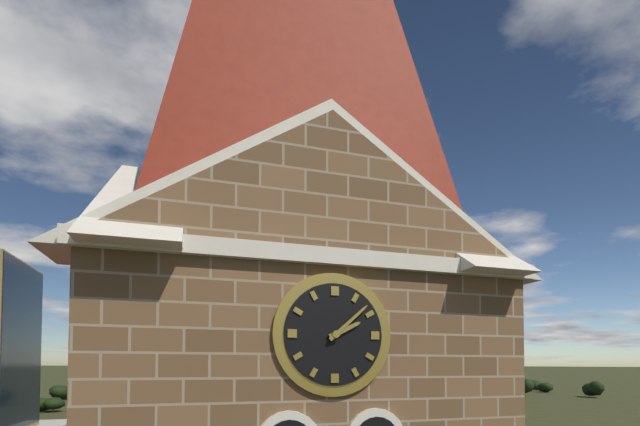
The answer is 2.08
